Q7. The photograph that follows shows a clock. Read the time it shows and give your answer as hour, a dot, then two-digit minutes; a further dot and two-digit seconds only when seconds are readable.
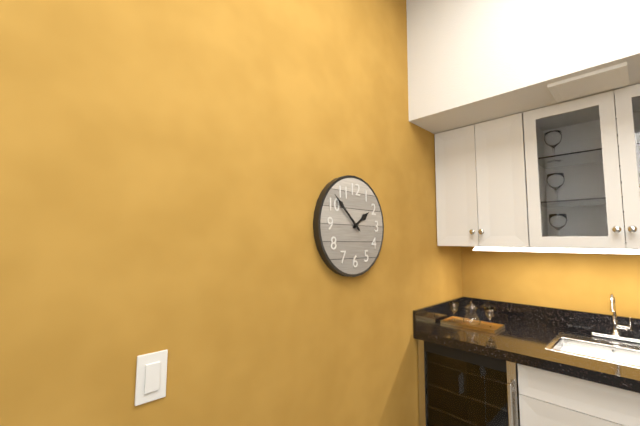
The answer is 1.52
